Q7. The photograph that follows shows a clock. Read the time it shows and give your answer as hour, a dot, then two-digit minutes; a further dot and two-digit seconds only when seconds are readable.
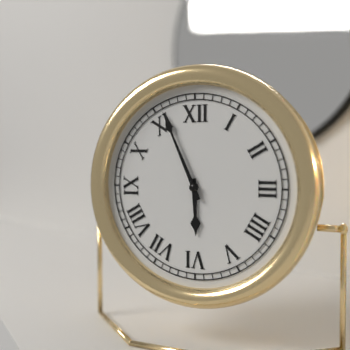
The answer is 5.56
